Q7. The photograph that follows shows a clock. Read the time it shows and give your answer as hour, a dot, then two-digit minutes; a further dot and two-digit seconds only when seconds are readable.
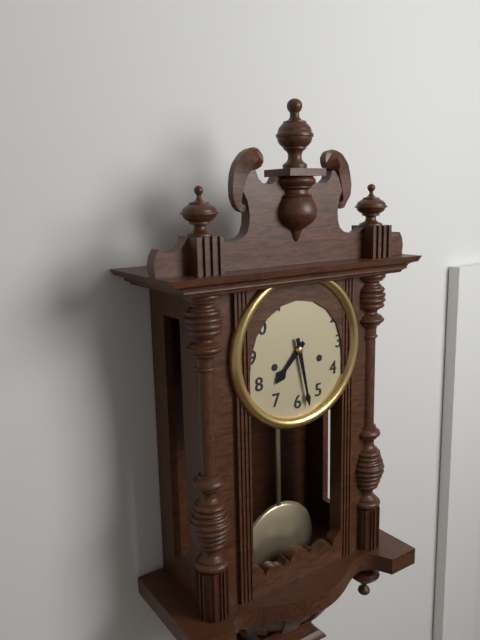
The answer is 7.28
